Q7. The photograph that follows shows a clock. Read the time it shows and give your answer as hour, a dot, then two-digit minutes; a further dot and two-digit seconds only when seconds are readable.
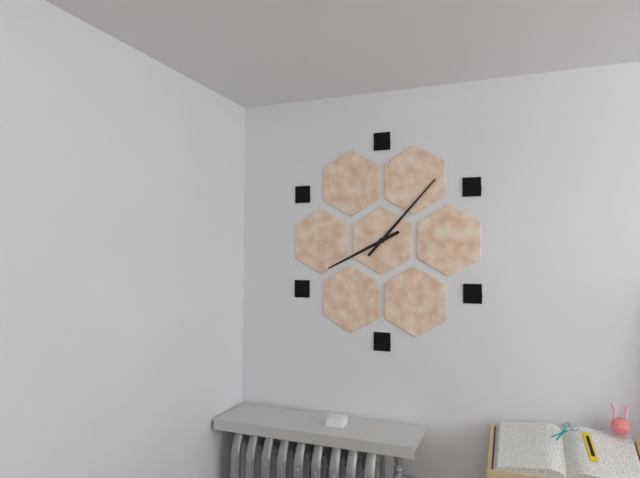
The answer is 8.07
